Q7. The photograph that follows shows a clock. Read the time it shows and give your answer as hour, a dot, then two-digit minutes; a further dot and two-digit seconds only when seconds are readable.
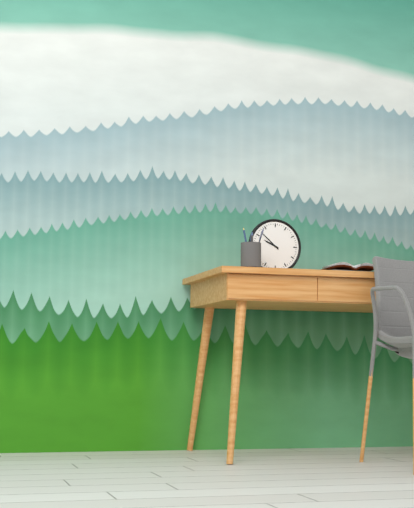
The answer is 9.52
